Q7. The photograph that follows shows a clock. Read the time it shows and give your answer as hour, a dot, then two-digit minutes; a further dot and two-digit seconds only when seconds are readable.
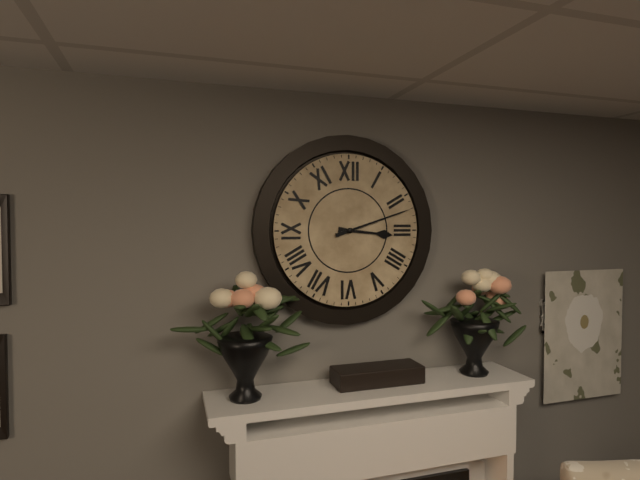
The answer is 3.12
